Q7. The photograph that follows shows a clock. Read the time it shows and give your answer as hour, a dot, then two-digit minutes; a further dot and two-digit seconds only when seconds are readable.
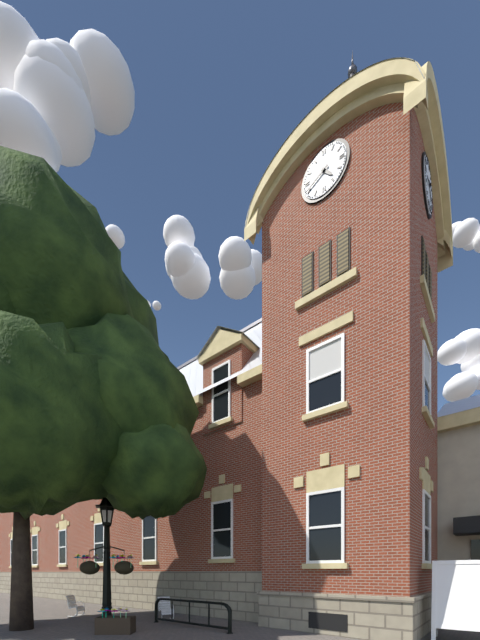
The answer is 4.41
